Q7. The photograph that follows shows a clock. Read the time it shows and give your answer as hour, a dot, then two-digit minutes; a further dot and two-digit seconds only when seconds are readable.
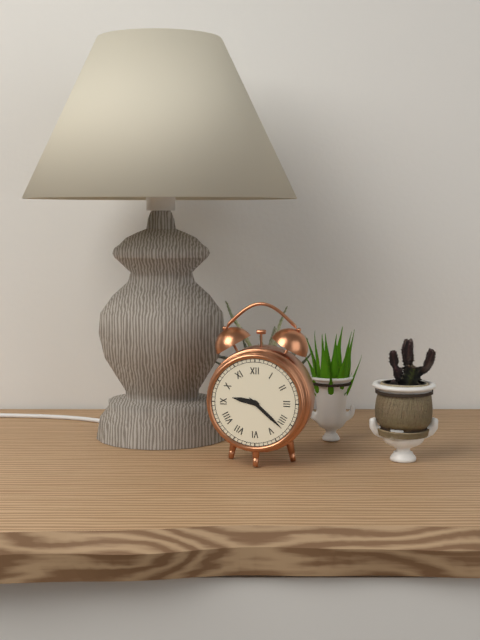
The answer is 9.22
